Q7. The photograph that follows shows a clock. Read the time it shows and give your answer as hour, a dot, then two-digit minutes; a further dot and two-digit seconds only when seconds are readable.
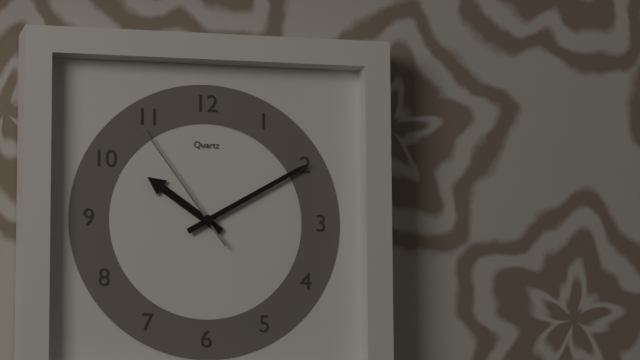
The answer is 10.10.54
